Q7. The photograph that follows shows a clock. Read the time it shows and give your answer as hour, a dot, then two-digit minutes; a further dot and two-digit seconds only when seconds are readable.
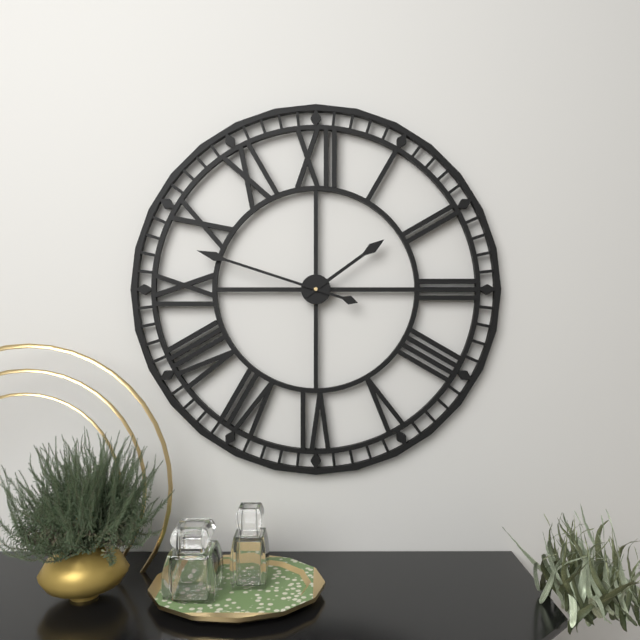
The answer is 1.48
